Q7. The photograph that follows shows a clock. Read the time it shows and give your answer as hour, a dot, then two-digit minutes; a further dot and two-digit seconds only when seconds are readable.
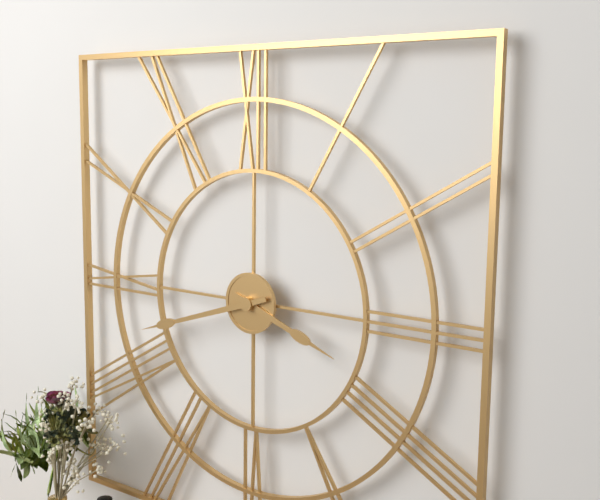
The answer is 3.42
